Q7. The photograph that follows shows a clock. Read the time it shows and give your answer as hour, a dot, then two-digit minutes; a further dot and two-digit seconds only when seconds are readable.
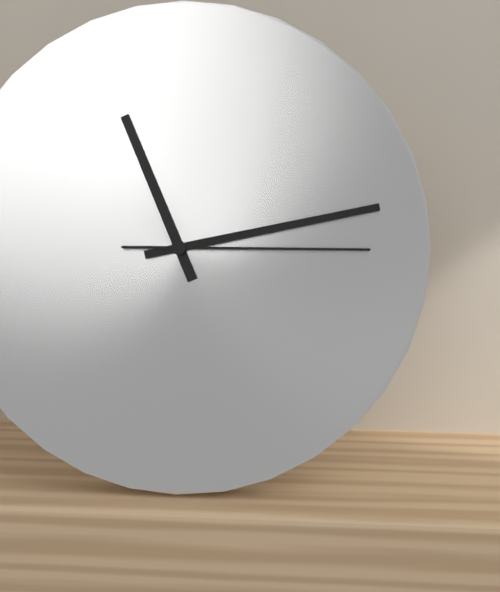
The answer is 11.13.15
